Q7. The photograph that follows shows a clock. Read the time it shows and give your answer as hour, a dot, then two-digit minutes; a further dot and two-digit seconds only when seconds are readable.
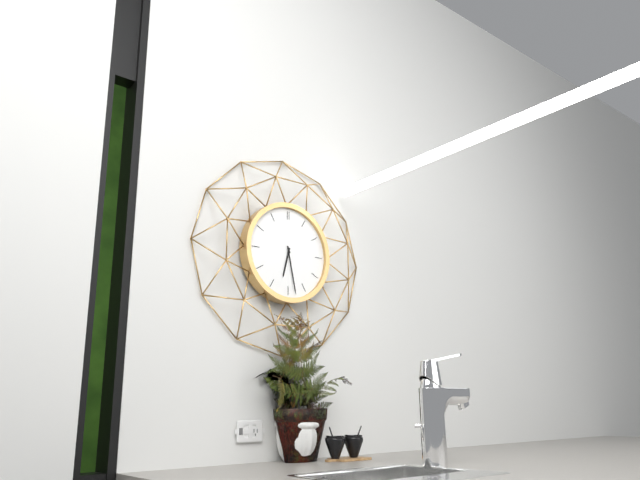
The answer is 6.28
